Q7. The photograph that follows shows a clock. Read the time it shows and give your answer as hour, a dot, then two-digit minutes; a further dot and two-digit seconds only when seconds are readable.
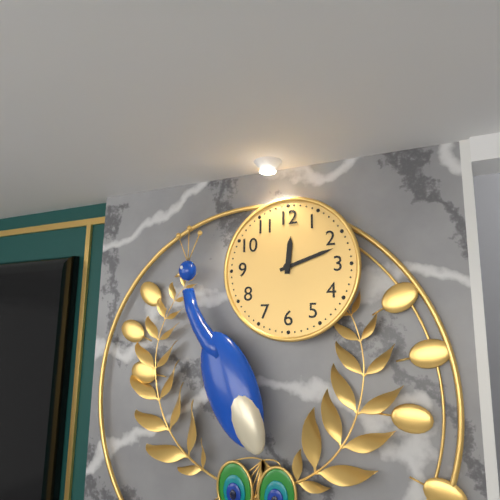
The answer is 12.12
